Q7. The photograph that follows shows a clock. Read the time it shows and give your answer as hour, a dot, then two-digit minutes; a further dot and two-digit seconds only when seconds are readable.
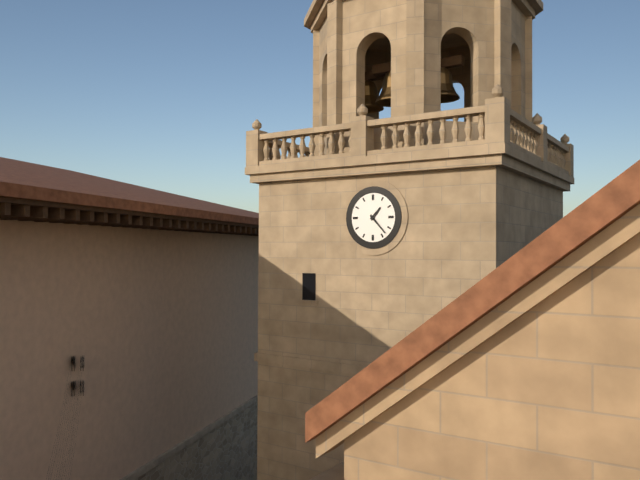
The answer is 1.23
